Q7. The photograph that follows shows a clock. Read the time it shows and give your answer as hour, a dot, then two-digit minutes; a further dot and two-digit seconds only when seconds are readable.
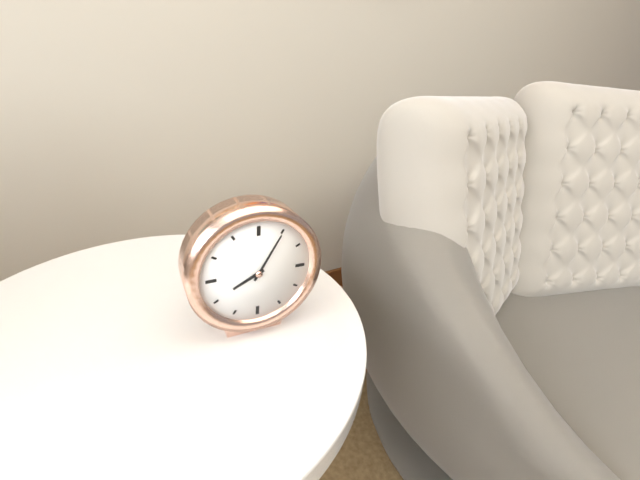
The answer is 8.05
